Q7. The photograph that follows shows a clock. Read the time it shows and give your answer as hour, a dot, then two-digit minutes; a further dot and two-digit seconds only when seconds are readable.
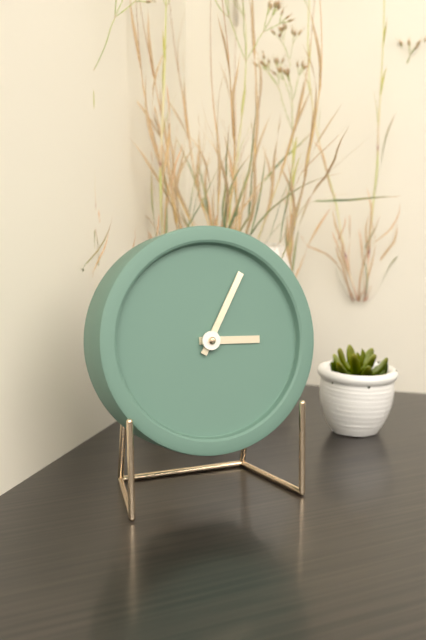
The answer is 3.05
